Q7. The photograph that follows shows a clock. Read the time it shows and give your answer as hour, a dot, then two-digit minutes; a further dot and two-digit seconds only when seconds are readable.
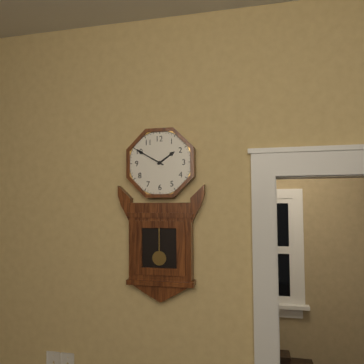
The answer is 1.50
